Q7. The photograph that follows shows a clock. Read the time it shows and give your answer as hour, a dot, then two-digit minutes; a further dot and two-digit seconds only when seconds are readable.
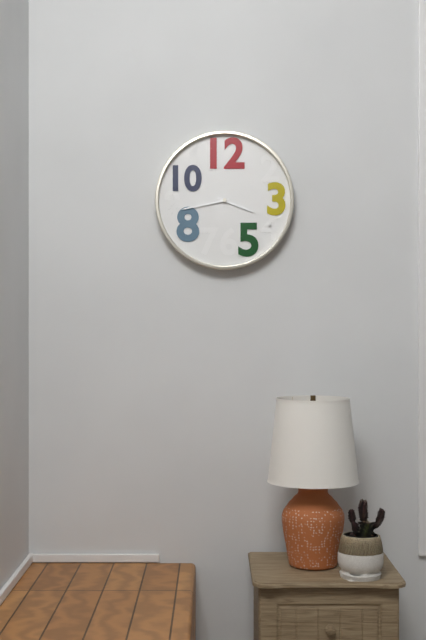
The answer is 3.43
